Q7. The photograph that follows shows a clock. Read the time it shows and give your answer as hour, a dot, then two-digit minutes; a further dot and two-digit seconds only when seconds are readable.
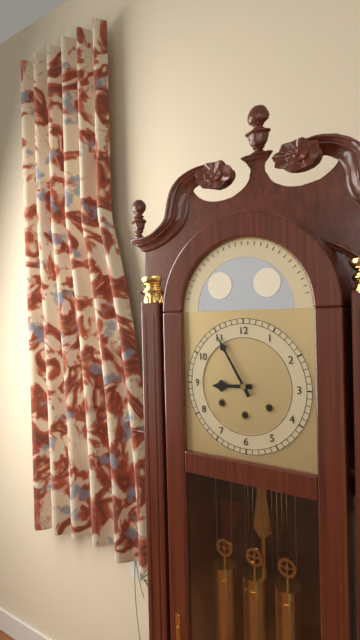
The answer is 8.55
